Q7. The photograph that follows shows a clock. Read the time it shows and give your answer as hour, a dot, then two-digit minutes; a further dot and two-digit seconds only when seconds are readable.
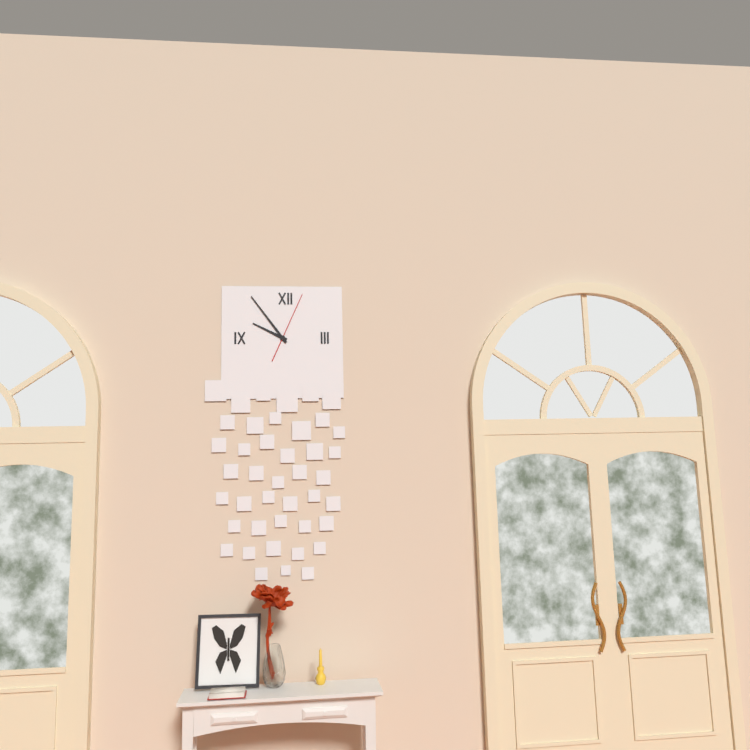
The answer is 9.54.04
